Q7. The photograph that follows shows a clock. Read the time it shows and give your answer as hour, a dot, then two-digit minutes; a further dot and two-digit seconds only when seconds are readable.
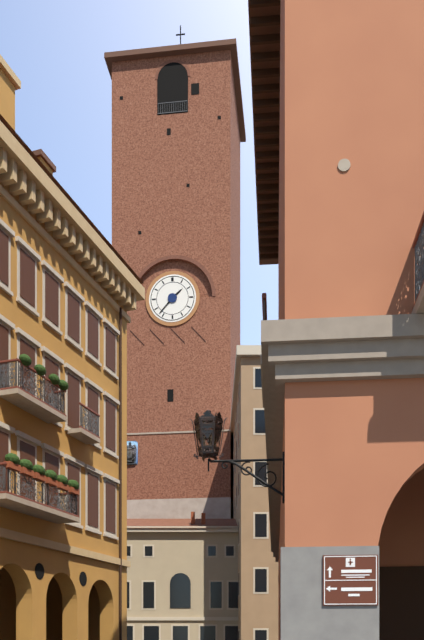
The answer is 1.37
